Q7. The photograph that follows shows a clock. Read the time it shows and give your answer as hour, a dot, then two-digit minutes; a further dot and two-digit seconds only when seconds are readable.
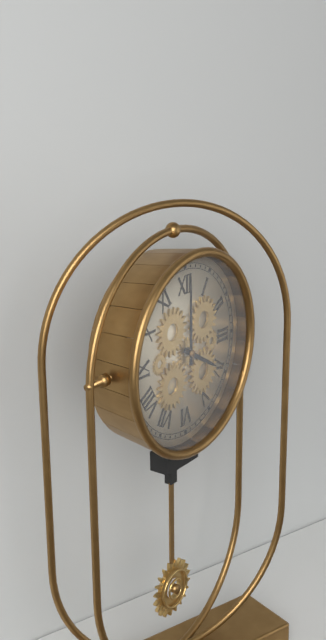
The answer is 4.00
